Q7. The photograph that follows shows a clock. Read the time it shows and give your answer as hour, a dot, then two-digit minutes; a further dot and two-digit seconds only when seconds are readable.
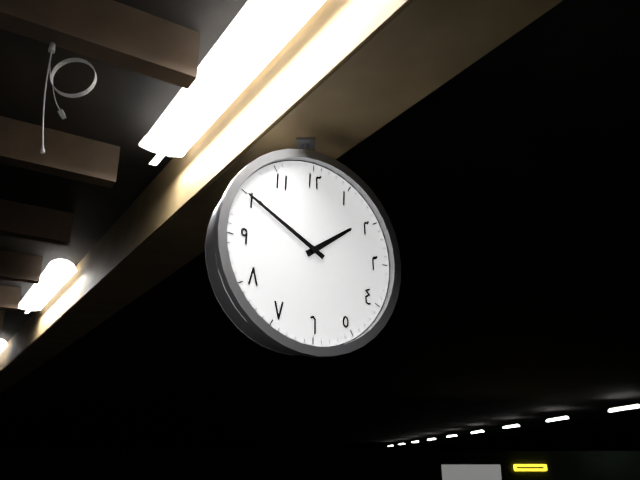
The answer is 1.50
